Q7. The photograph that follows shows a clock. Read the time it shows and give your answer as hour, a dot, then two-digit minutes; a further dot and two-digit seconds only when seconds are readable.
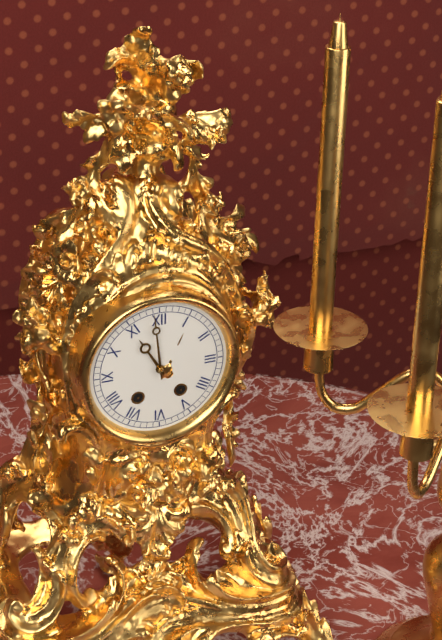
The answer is 10.59
